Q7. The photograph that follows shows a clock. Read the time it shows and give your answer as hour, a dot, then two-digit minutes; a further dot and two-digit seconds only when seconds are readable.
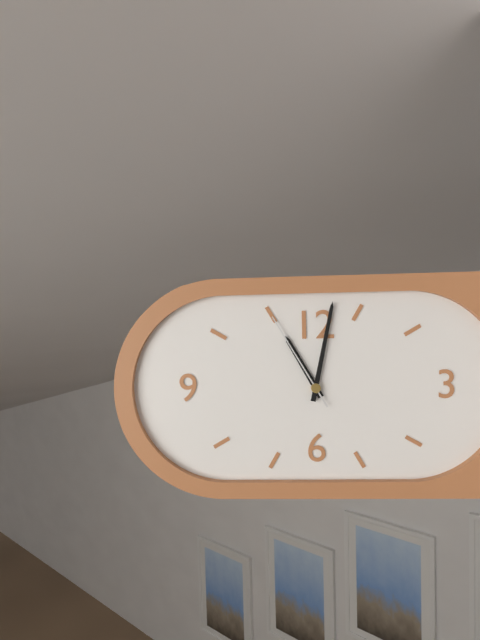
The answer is 11.02.55
